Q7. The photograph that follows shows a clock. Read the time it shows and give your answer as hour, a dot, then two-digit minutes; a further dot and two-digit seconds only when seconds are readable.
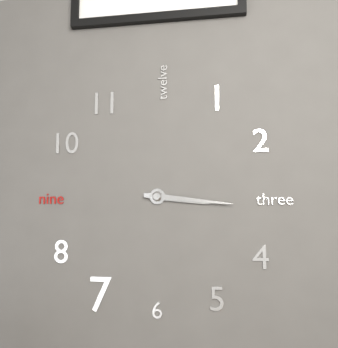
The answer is 3.16
